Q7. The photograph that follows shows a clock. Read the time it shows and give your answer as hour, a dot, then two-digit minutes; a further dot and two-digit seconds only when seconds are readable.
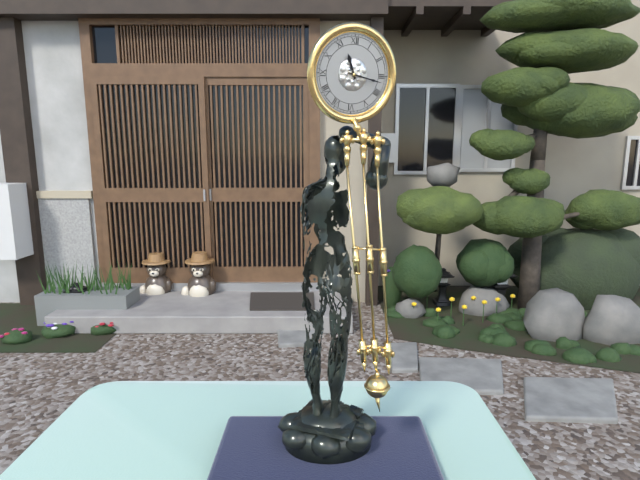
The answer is 11.17
